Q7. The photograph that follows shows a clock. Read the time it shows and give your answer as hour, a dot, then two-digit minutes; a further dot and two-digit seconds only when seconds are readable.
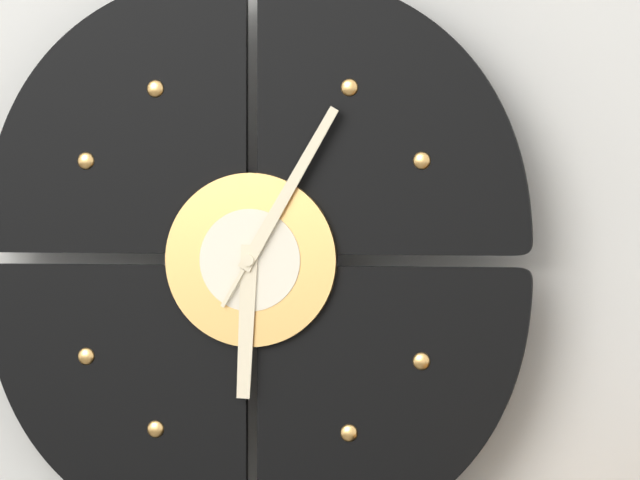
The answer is 6.05
